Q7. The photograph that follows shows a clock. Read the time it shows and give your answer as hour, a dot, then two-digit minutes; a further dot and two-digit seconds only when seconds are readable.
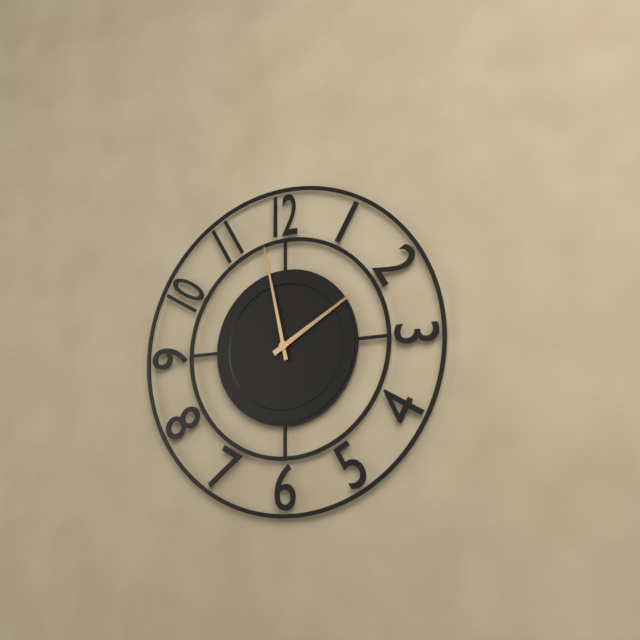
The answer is 1.58
